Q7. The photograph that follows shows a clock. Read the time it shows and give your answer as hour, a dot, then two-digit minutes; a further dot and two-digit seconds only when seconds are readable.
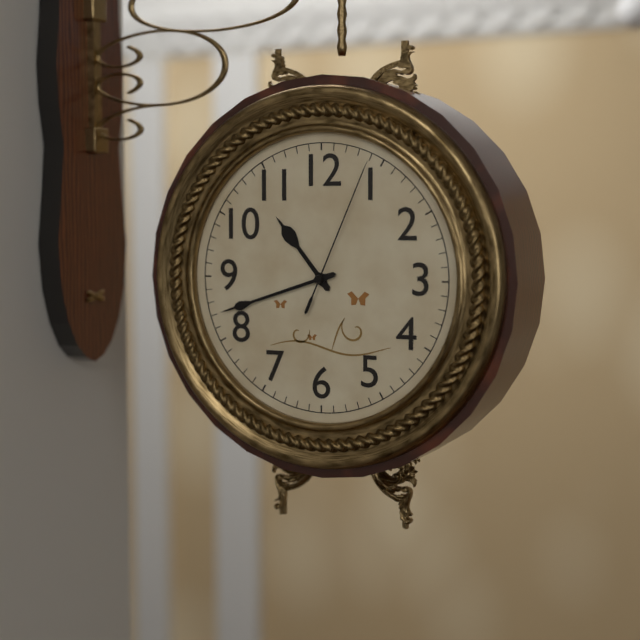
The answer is 10.42.04
